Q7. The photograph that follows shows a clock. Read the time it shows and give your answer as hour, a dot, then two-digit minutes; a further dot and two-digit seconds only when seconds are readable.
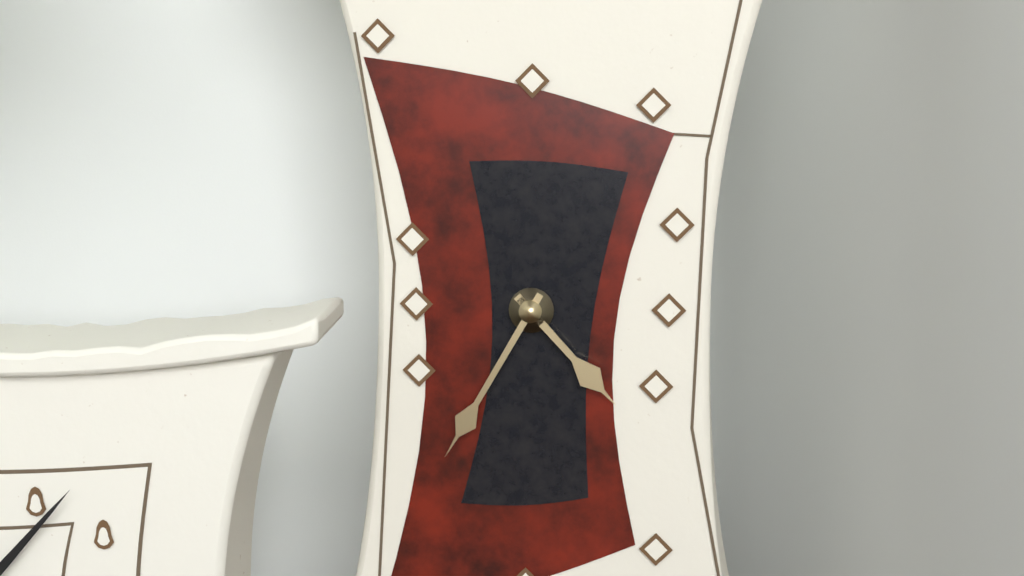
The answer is 4.35
